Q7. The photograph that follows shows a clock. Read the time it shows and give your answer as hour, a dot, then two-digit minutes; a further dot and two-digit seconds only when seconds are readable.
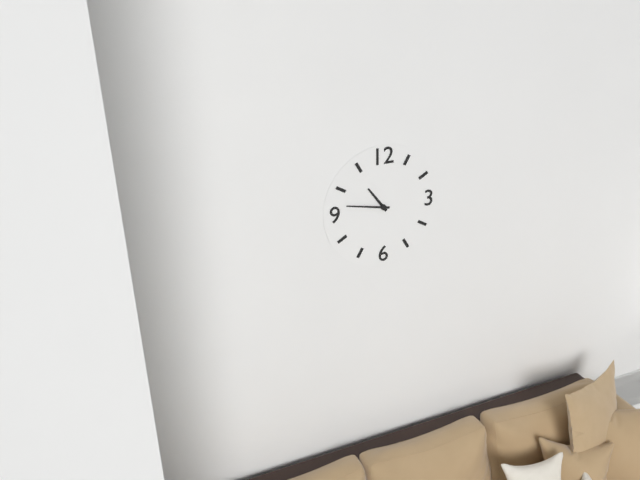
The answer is 10.47
